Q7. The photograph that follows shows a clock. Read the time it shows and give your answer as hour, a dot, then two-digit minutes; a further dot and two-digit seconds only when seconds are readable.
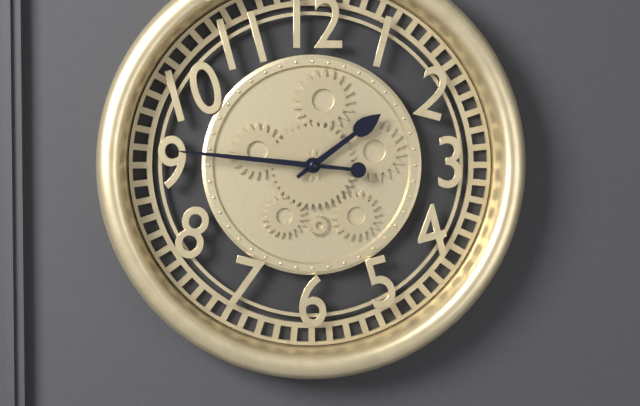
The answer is 1.46
